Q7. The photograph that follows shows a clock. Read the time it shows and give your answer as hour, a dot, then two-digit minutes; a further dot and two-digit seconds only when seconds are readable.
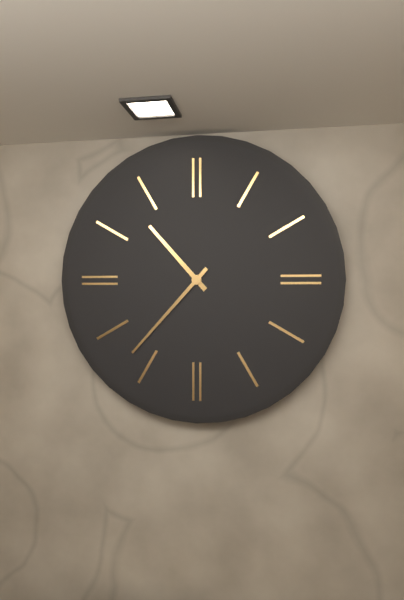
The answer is 10.37
